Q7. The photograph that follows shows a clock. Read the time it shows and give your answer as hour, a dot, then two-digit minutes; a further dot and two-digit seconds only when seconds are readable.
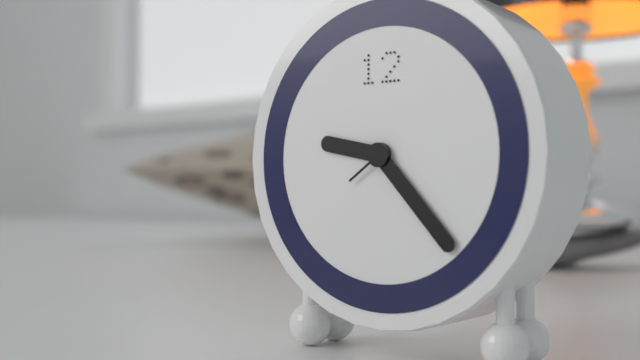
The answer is 9.23.39
